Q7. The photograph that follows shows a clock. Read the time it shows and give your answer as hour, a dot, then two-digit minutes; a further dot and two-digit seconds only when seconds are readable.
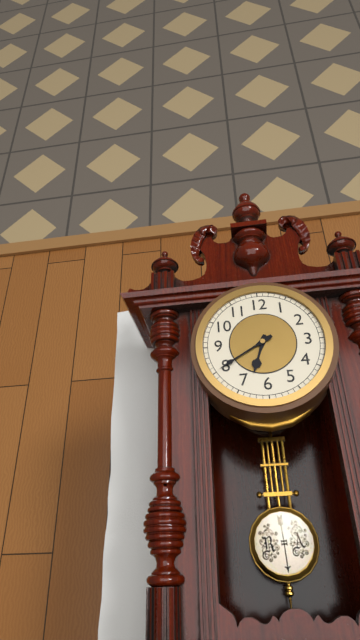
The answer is 6.40
